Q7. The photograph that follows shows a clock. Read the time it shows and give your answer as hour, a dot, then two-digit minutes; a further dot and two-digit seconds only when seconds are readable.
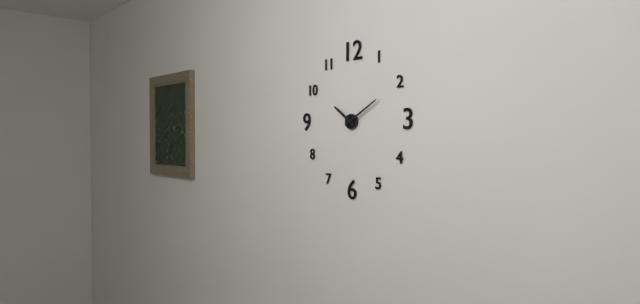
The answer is 10.10
